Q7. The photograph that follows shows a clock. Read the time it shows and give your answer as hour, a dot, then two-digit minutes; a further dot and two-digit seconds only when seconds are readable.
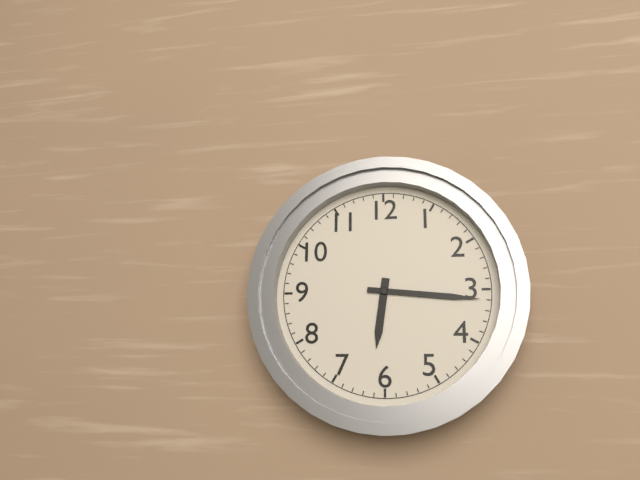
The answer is 6.16
